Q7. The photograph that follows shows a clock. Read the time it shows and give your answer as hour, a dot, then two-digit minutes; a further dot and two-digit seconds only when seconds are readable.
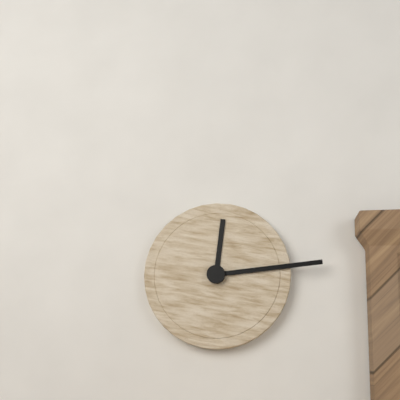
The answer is 12.14
